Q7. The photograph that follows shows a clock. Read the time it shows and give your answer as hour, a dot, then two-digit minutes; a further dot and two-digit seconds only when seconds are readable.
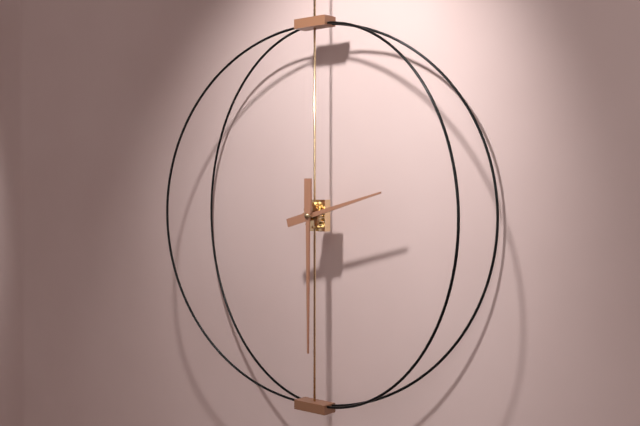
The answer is 2.30
